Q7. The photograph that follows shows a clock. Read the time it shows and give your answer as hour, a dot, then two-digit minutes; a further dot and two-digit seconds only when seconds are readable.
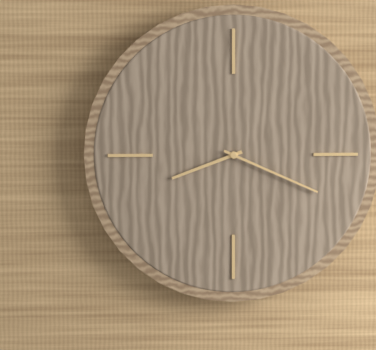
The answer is 8.19
